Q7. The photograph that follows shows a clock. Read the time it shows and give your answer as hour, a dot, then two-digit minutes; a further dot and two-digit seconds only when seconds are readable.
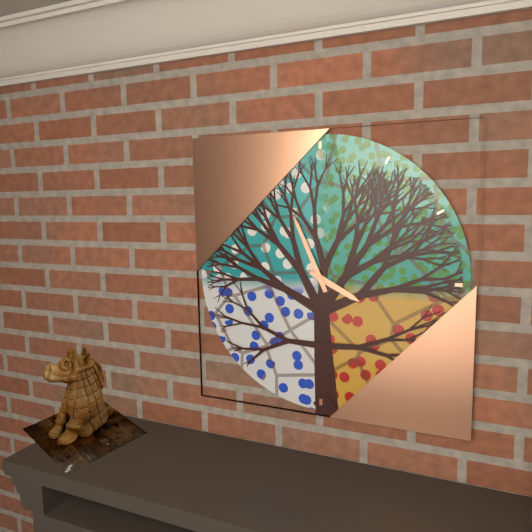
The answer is 3.56
